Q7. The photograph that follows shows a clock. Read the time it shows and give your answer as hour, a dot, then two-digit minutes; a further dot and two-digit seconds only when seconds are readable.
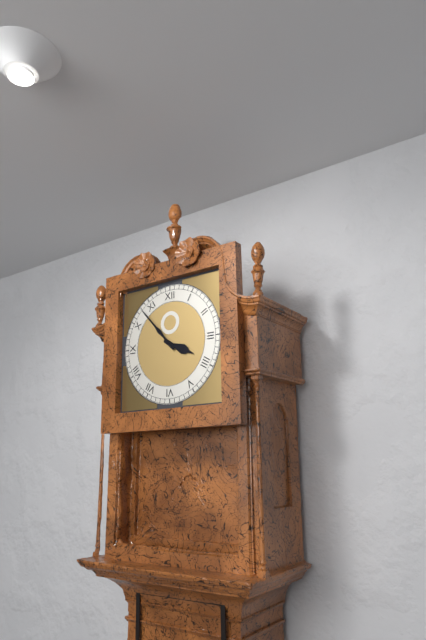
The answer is 3.53
